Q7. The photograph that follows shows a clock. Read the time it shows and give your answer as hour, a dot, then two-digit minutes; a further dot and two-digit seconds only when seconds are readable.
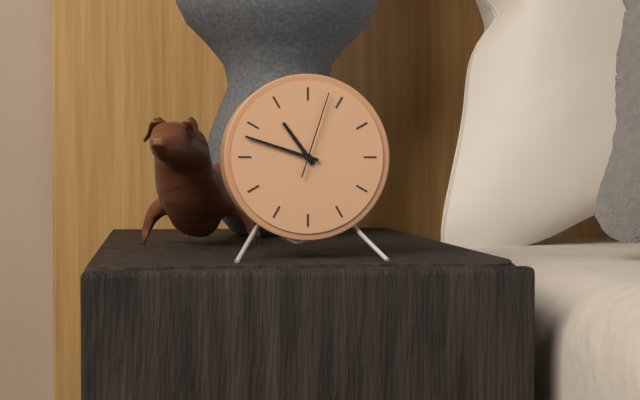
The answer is 10.48.03
